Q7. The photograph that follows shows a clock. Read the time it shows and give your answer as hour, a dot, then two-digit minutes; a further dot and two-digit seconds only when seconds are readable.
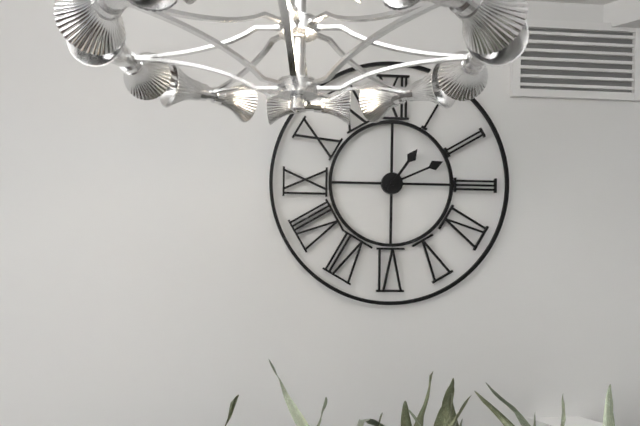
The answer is 1.11
